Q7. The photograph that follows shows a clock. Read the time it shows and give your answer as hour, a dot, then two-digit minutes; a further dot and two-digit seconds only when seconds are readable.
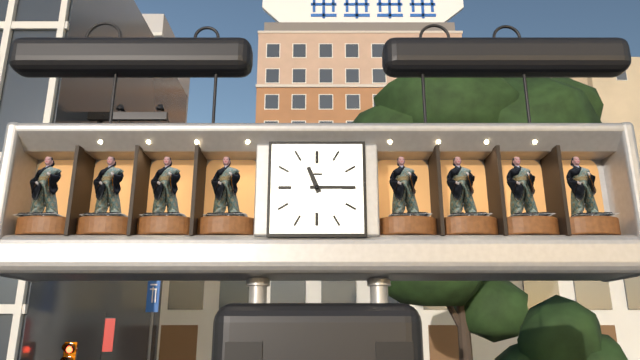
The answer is 11.15
